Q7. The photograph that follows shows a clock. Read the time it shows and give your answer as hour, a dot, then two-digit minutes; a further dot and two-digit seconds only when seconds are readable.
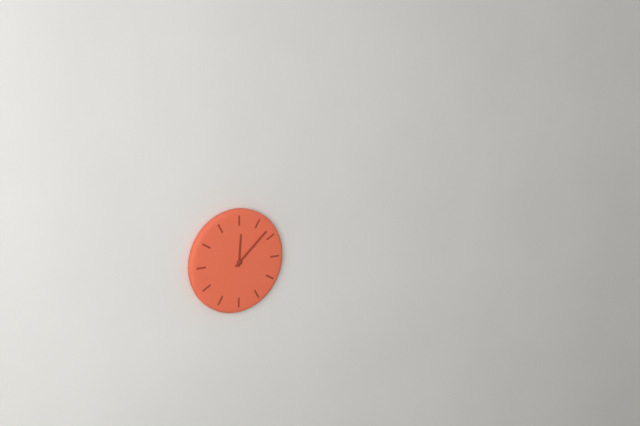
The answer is 12.08
